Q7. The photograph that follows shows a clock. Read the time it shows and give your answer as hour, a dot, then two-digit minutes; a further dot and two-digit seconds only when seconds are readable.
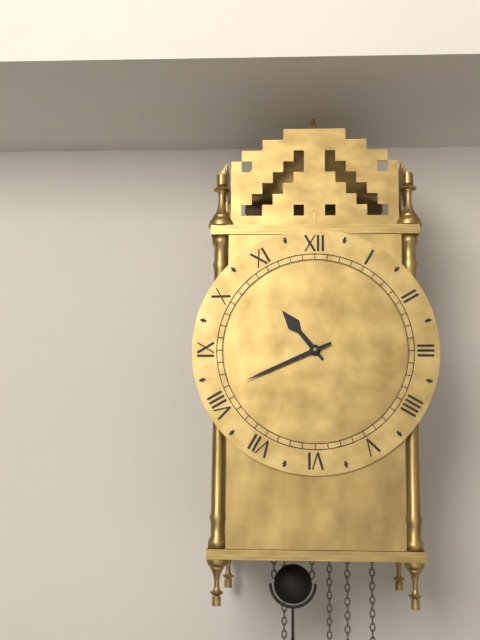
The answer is 10.41
